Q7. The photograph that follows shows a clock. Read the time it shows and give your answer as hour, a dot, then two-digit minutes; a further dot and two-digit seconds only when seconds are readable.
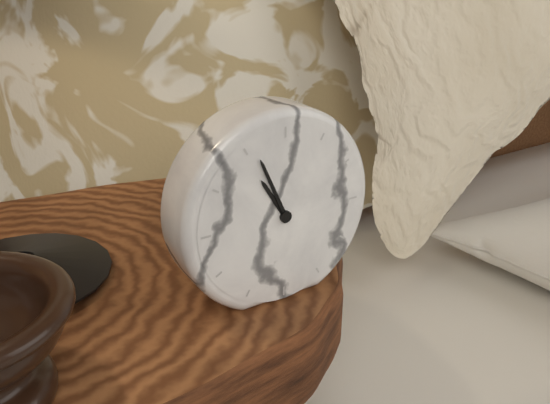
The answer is 10.56
